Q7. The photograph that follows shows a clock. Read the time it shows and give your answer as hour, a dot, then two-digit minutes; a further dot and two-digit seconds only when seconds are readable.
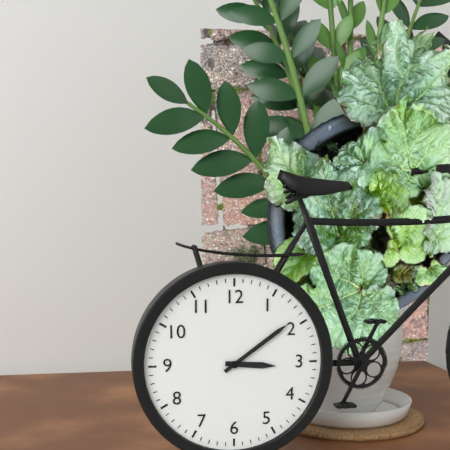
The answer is 3.09
